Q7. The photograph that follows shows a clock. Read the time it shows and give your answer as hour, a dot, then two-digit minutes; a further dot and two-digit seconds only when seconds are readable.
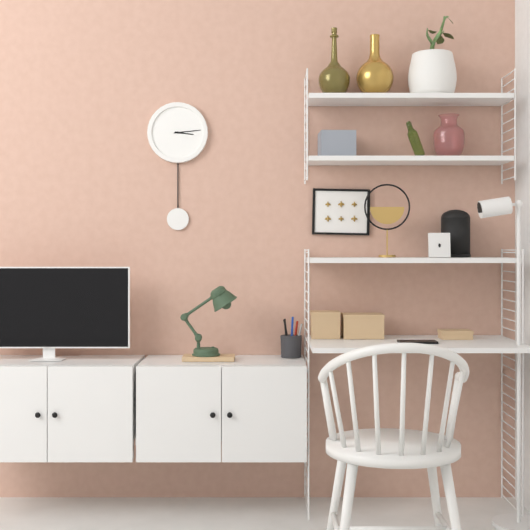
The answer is 3.14
